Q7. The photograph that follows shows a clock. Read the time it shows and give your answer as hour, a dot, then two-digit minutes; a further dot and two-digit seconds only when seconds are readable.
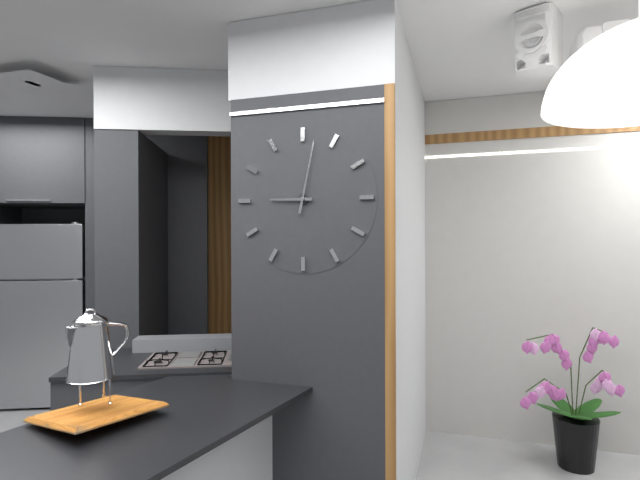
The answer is 9.02
